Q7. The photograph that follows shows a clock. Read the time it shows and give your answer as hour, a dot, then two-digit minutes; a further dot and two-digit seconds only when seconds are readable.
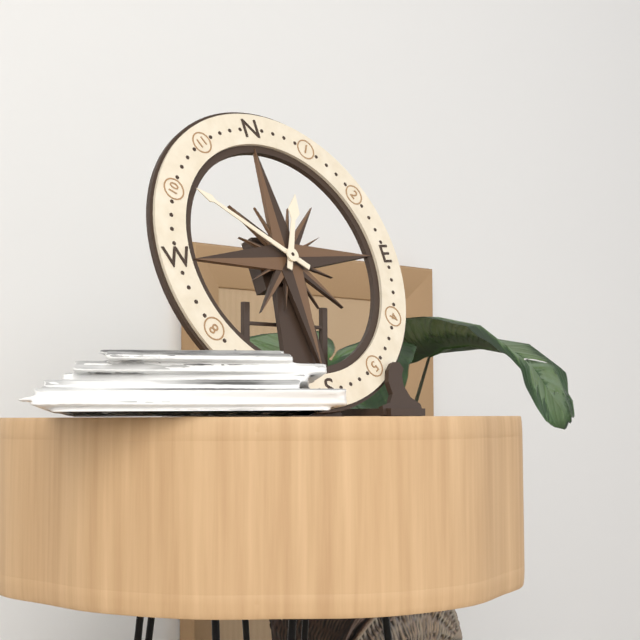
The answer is 12.51
